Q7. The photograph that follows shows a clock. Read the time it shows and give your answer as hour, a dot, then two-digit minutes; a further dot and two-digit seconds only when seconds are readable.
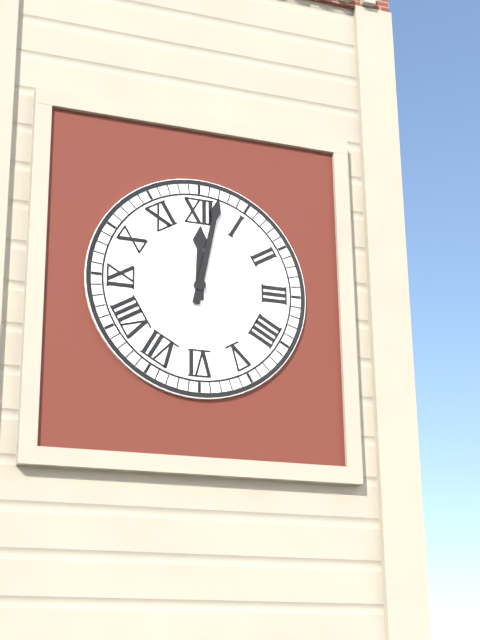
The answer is 12.02
